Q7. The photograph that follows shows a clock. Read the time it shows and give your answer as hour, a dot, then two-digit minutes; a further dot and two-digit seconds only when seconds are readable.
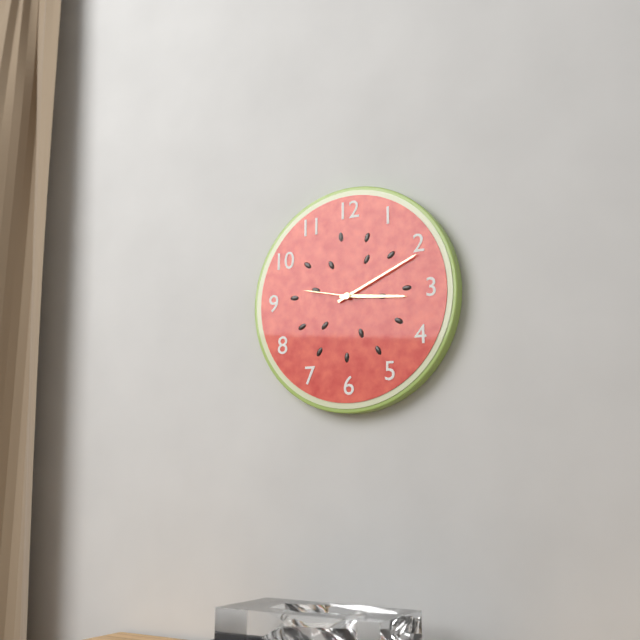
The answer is 3.11.47
